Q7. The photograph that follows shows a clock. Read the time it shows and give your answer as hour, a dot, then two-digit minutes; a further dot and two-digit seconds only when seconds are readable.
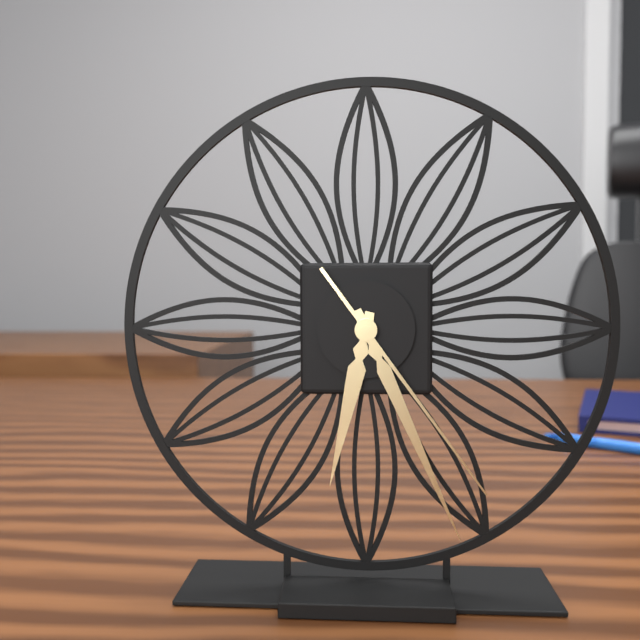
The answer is 6.26.24
